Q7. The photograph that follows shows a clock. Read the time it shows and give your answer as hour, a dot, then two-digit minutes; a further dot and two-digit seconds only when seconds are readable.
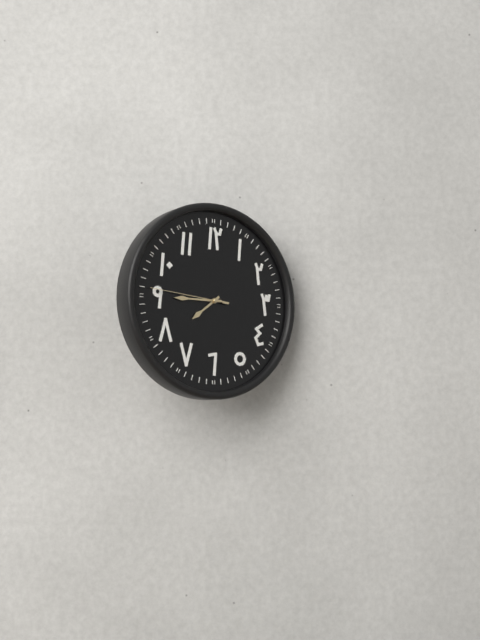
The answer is 7.45.46
